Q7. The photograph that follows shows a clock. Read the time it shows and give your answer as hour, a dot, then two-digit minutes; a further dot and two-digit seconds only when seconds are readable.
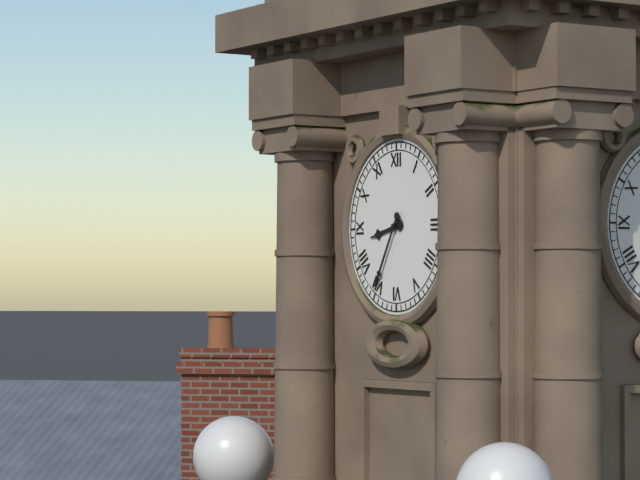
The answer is 8.35
